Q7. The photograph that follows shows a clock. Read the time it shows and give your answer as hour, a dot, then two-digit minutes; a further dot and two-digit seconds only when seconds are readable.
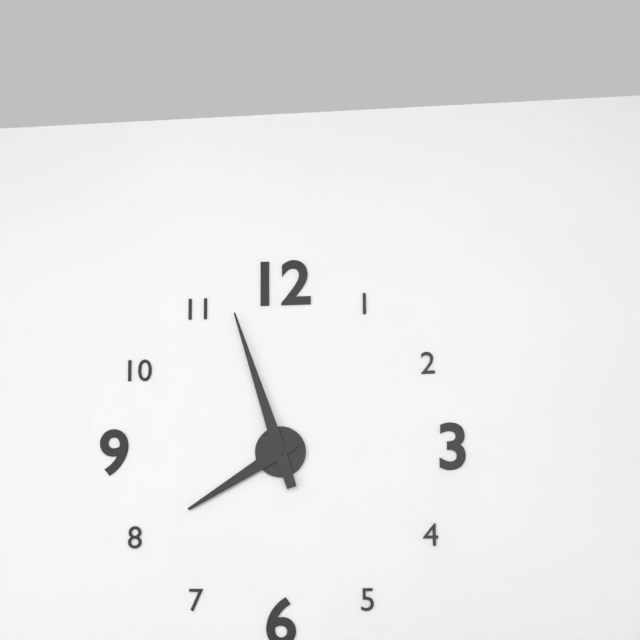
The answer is 7.57
